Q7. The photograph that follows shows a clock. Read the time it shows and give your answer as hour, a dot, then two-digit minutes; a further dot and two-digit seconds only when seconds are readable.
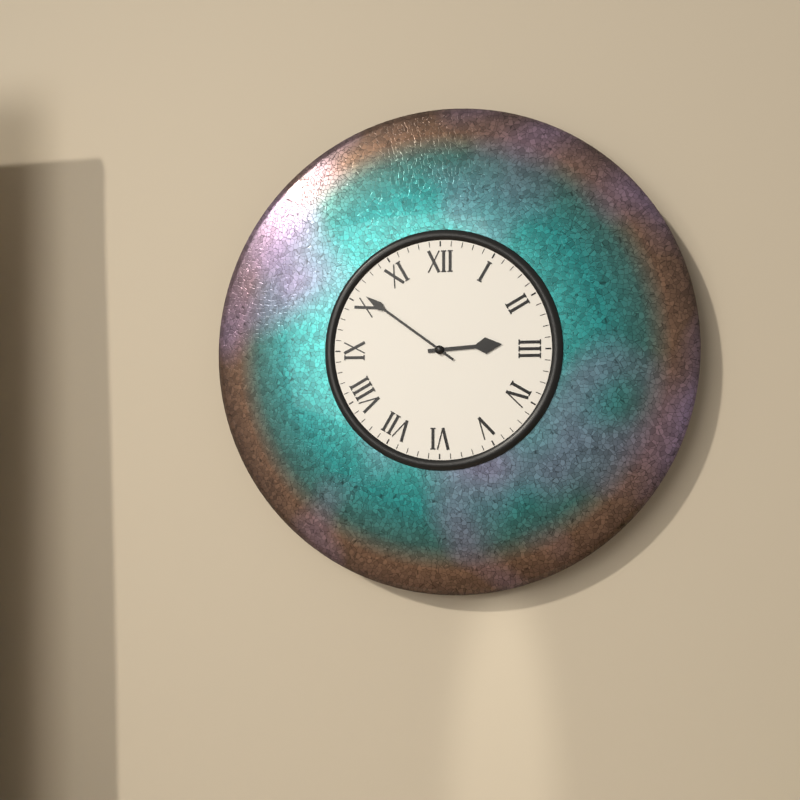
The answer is 2.51
